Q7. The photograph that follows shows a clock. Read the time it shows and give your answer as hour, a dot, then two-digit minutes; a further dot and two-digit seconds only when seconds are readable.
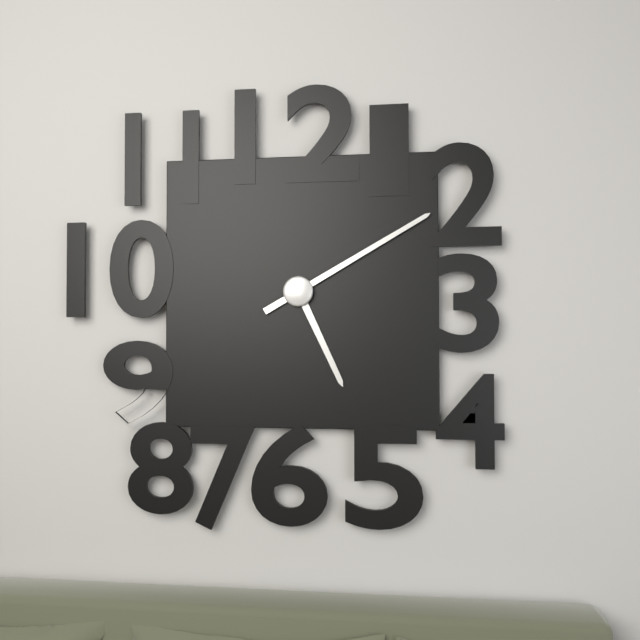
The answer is 5.10
